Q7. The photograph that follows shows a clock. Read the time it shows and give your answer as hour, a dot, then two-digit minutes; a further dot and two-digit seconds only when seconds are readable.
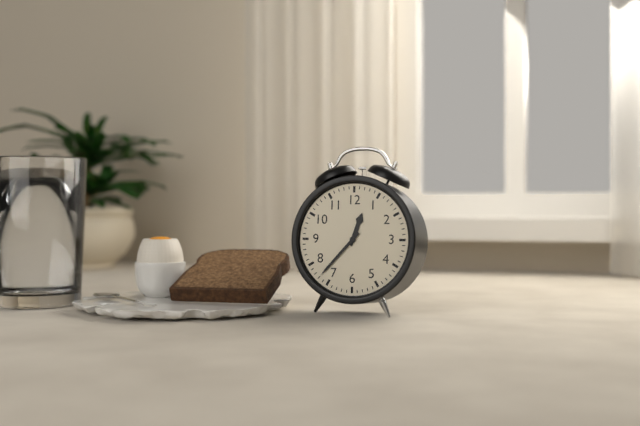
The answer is 12.37
